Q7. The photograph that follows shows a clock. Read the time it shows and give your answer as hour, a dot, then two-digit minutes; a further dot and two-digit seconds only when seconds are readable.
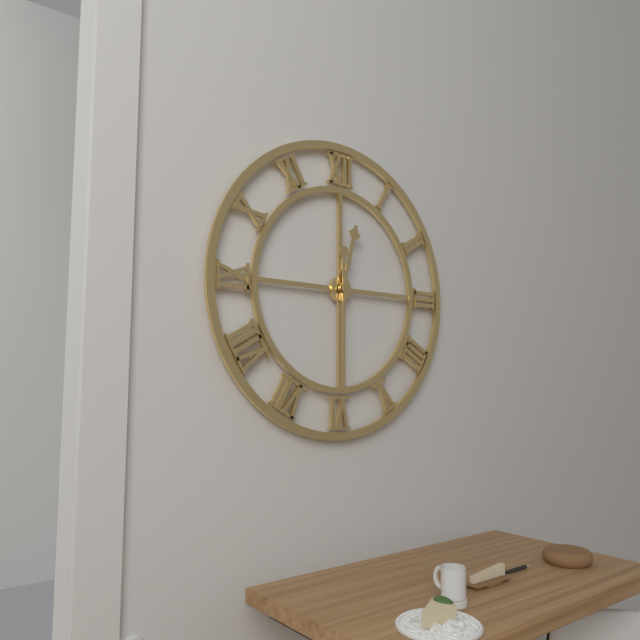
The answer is 12.30
